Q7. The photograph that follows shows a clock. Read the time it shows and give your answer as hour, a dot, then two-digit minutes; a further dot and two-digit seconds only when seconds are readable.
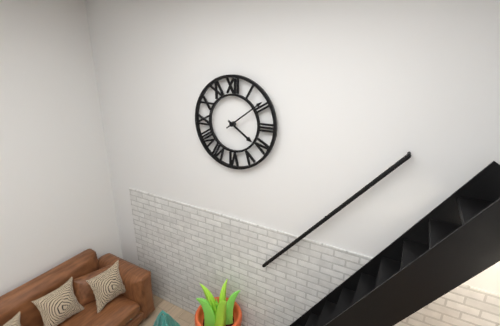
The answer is 4.09
